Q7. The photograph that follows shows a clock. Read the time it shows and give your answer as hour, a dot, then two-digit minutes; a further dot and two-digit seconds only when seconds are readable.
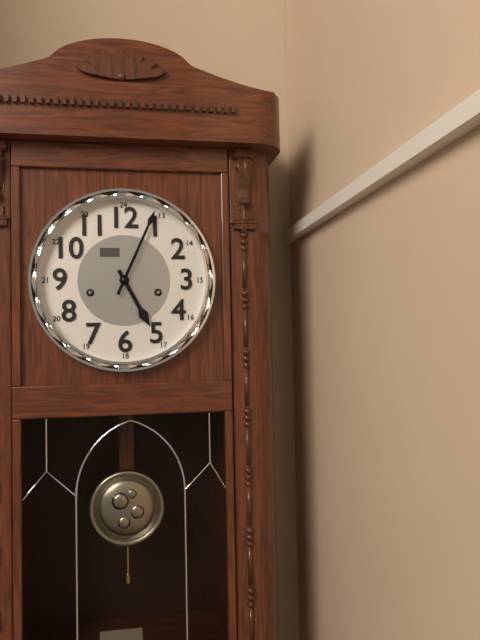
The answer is 5.04
